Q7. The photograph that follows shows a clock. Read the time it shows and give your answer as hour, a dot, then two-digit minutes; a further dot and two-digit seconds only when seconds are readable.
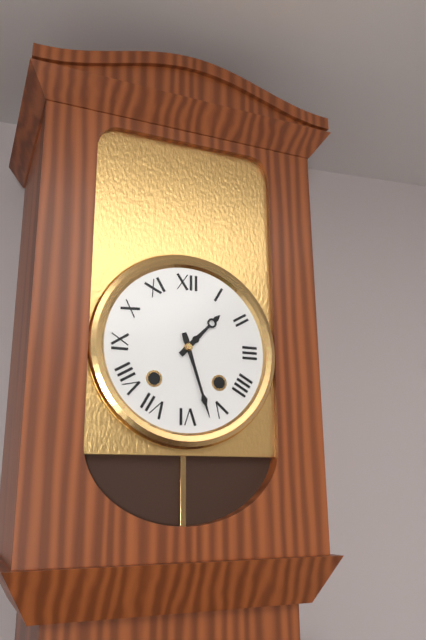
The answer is 1.27
